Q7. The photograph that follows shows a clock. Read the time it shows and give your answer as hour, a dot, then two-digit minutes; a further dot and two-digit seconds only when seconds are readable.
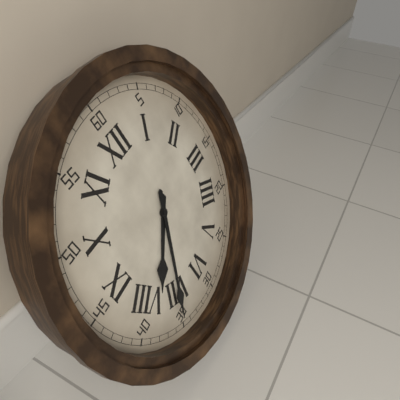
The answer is 7.35
